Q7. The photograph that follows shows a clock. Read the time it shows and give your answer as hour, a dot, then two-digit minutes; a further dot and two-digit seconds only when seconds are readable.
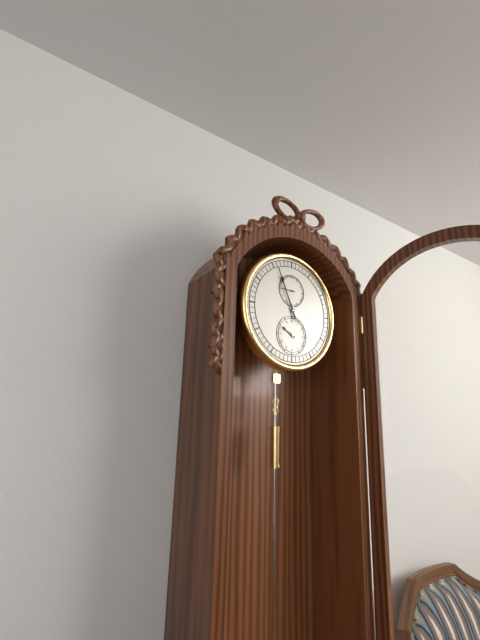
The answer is 9.56
